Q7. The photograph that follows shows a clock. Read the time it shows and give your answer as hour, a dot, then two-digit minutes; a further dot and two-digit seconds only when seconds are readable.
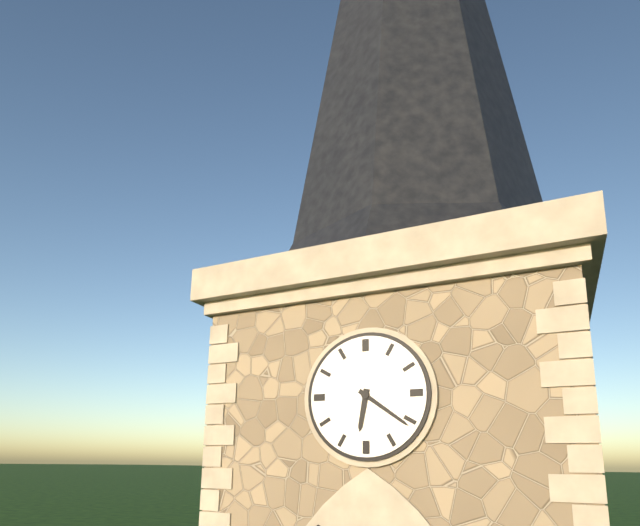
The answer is 6.21
